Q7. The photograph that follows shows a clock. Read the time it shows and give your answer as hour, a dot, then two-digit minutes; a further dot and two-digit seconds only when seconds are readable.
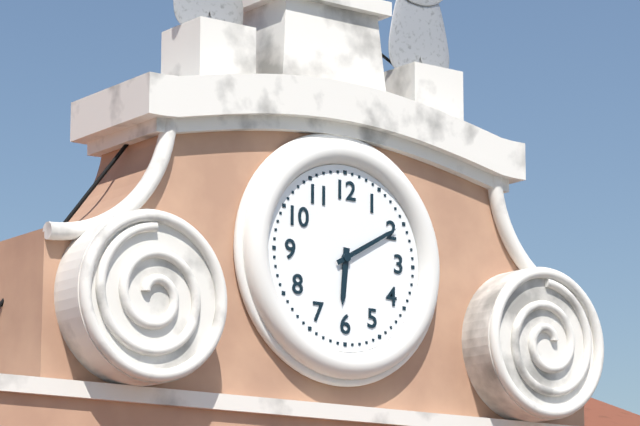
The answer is 6.10
